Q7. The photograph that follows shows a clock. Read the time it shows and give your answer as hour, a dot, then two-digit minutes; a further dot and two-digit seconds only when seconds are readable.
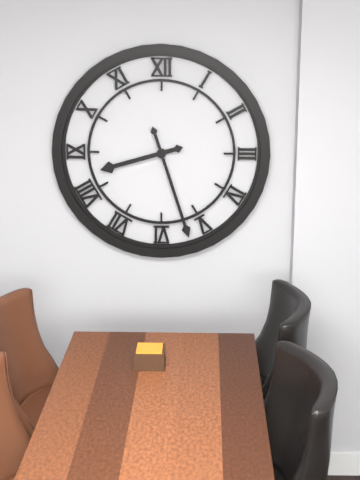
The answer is 8.27
